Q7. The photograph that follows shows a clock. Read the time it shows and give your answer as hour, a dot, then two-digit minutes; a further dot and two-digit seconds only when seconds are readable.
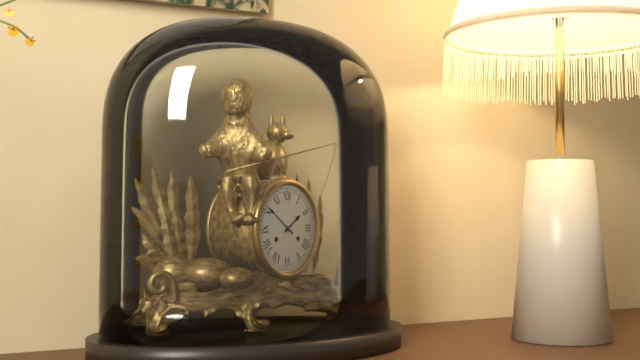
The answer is 1.51
